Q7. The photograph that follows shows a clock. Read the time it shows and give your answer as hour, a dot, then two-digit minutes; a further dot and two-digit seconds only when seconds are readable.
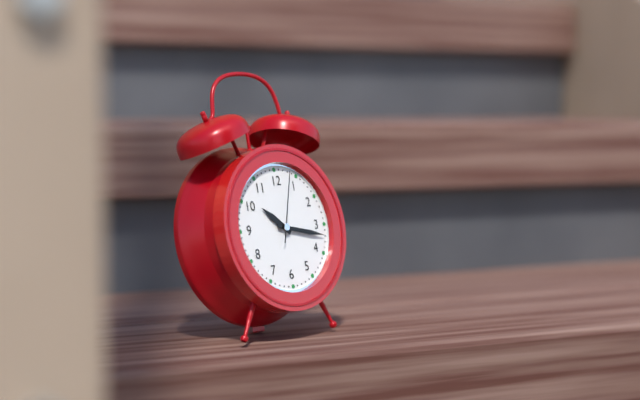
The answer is 10.17.03
